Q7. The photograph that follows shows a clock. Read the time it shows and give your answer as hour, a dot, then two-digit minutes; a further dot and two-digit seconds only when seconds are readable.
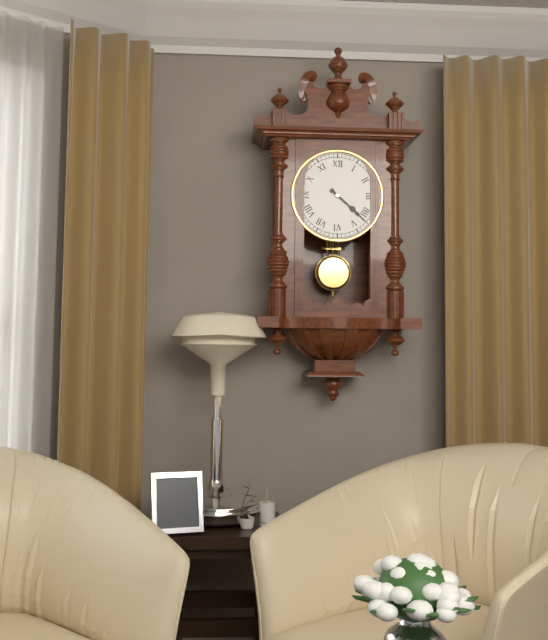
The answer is 4.22
